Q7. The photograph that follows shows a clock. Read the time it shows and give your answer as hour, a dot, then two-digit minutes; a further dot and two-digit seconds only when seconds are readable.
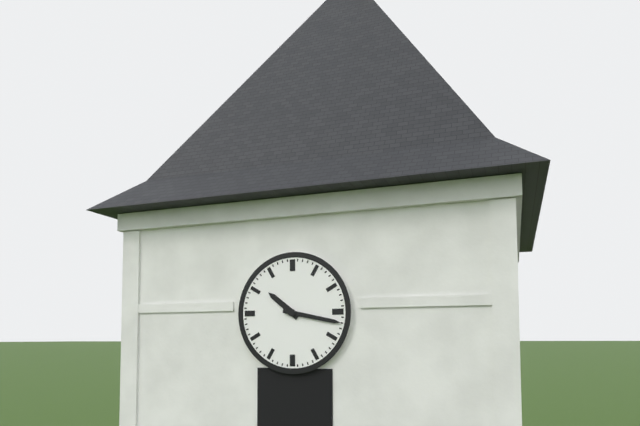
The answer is 10.17
